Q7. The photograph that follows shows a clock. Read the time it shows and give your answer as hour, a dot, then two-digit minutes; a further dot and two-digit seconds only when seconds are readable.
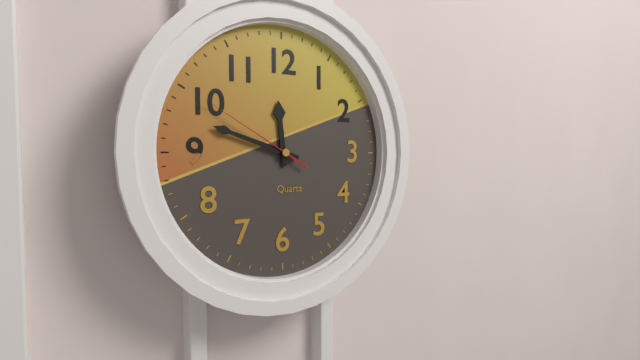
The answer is 11.48.50
